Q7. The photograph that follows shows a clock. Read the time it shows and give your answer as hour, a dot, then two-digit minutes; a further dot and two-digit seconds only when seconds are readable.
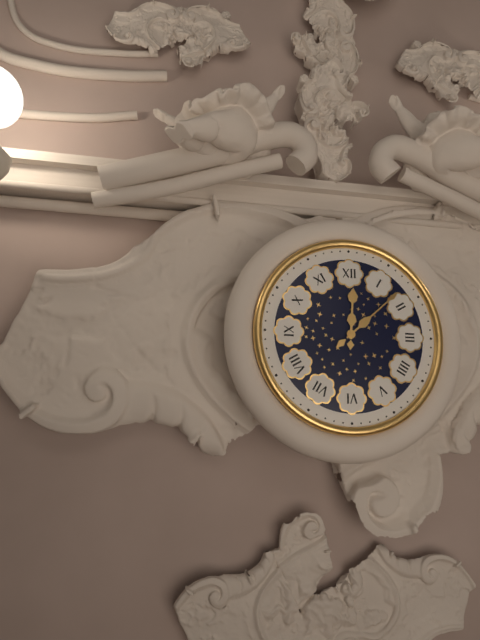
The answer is 12.08
